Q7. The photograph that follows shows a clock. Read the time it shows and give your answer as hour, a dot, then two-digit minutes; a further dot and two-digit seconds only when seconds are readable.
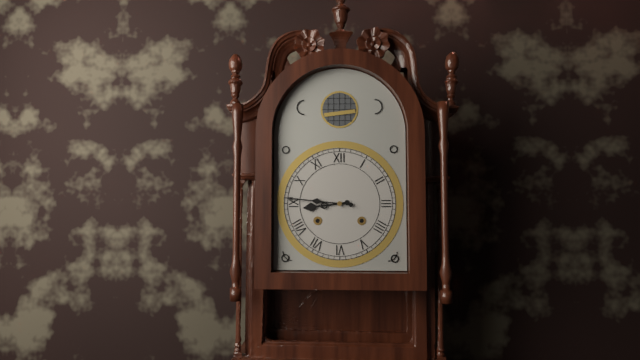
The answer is 8.46
